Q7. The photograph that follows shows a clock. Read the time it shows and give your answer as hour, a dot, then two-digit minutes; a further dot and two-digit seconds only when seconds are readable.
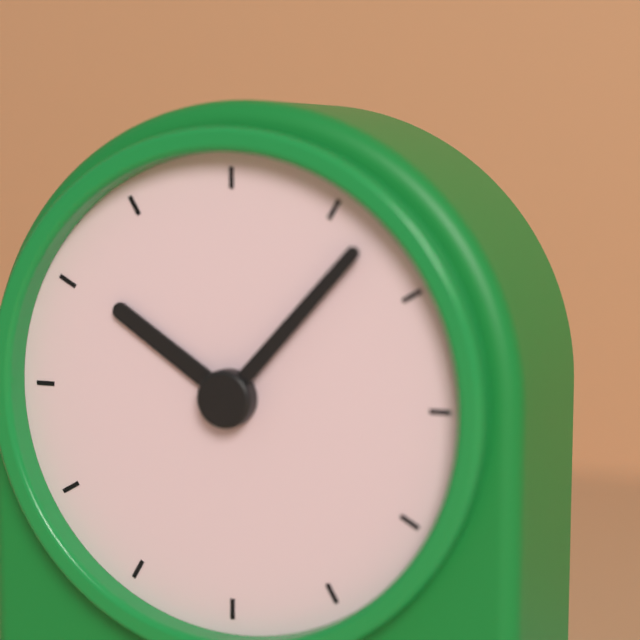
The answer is 10.07
